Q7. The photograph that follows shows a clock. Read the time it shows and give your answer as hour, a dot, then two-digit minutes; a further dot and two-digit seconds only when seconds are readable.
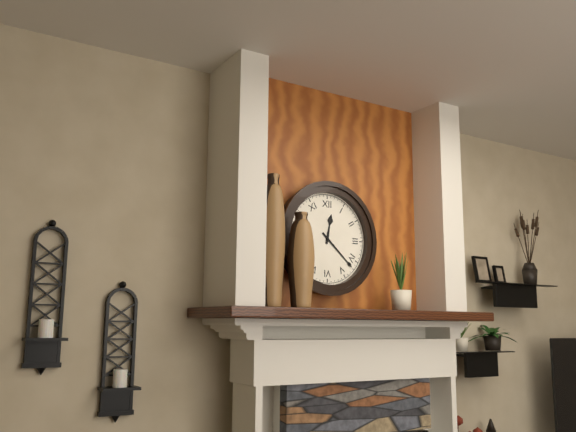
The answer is 12.22
